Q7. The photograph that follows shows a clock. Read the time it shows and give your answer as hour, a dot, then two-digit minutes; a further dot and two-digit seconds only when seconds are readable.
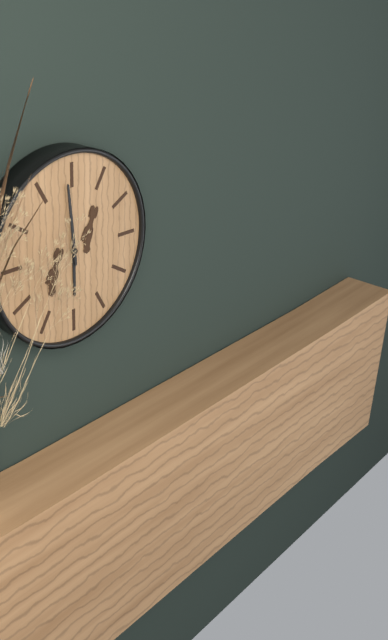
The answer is 5.59
